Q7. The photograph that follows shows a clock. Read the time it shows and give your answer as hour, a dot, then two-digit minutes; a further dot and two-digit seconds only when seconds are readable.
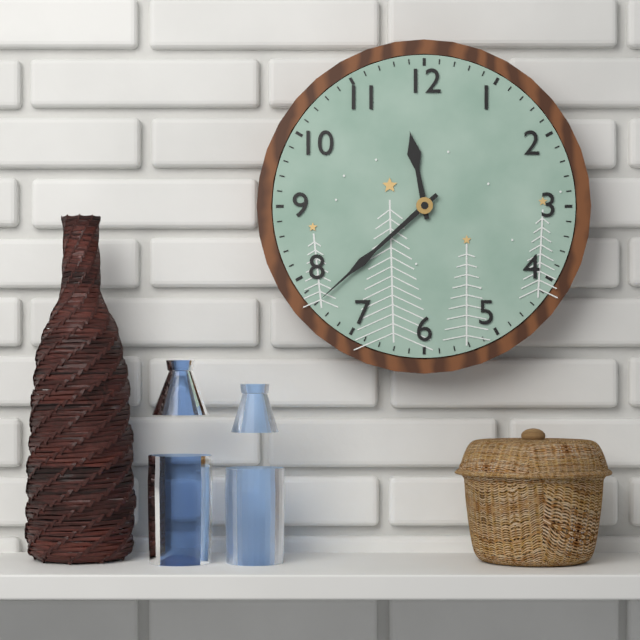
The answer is 11.38
